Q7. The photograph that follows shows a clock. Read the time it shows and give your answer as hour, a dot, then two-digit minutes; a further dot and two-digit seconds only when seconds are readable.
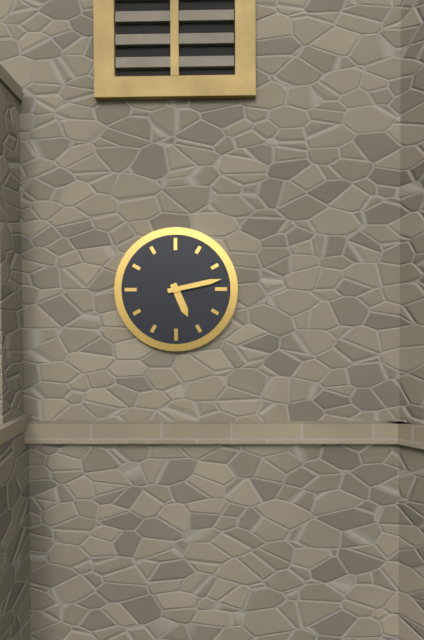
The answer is 5.13
